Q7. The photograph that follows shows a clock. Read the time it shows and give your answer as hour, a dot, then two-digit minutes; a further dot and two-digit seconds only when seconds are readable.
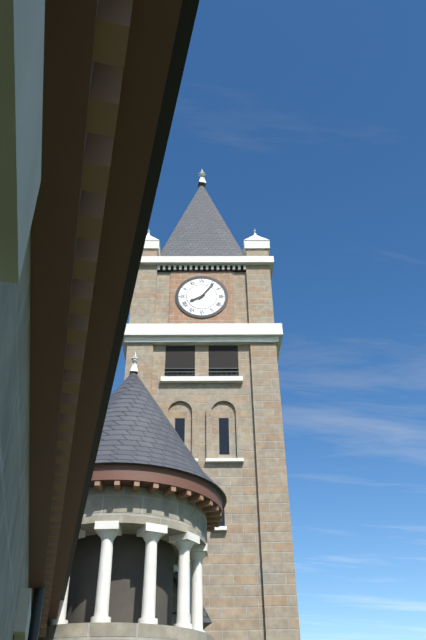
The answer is 8.06
